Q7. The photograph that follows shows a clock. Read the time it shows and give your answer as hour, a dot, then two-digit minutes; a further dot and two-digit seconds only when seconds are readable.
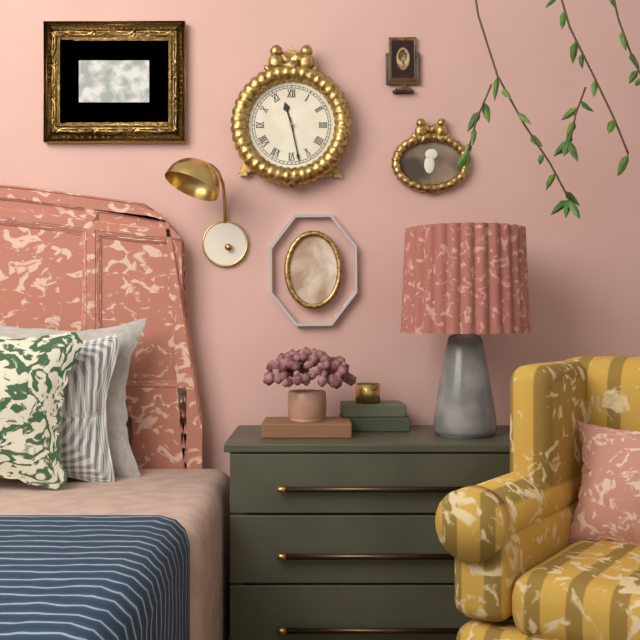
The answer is 11.28
